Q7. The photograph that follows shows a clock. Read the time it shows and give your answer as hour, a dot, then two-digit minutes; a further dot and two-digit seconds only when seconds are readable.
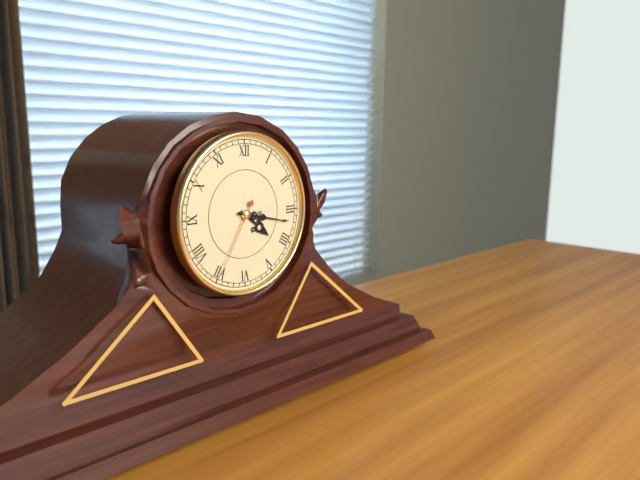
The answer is 4.17.35
